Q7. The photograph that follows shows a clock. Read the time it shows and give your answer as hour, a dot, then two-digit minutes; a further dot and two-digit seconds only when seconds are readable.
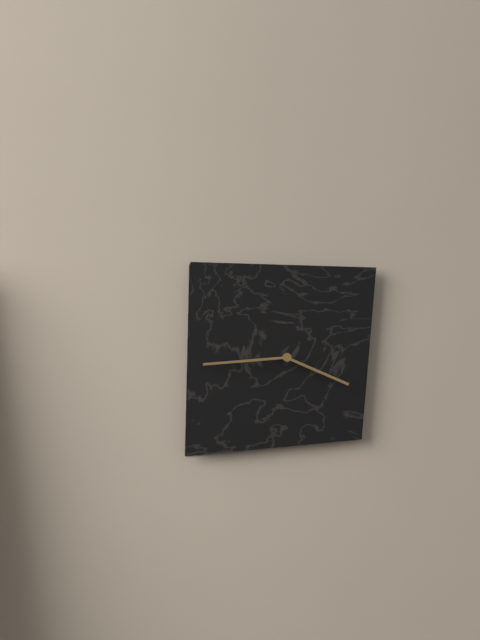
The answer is 3.44
